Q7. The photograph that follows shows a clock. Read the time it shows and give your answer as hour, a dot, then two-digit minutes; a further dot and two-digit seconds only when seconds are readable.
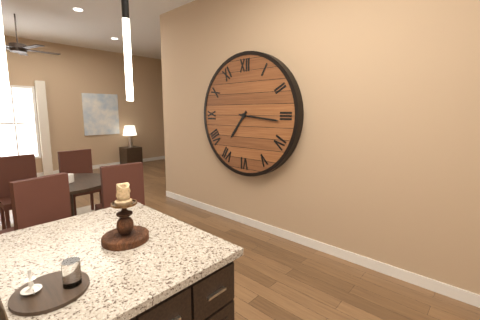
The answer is 7.16
